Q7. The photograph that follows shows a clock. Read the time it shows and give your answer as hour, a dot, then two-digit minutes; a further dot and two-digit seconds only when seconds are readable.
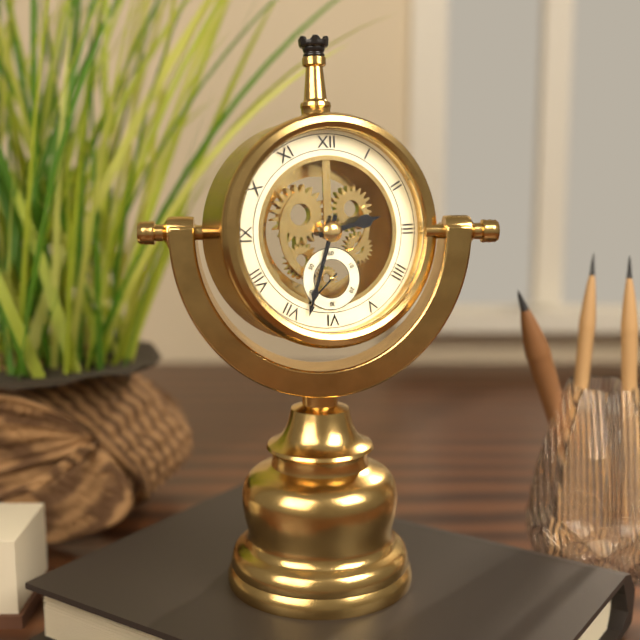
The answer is 2.33
